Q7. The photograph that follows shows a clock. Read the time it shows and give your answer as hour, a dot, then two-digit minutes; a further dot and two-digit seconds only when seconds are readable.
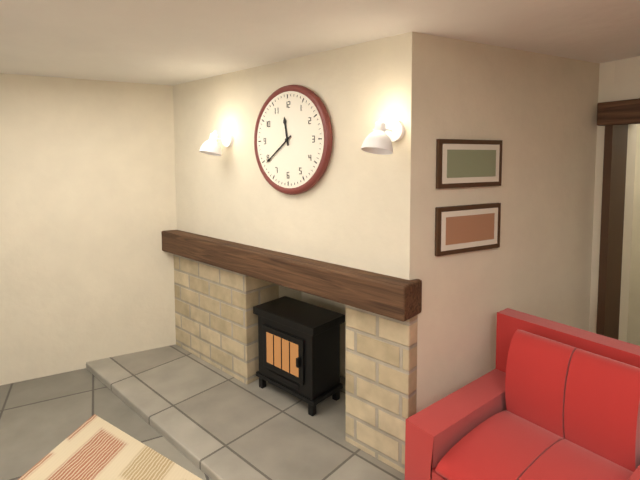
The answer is 11.39
